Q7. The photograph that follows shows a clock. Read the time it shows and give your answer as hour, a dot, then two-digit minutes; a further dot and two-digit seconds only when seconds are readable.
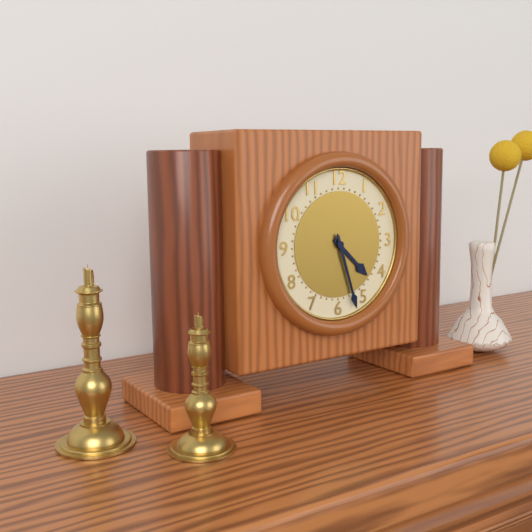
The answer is 4.27
